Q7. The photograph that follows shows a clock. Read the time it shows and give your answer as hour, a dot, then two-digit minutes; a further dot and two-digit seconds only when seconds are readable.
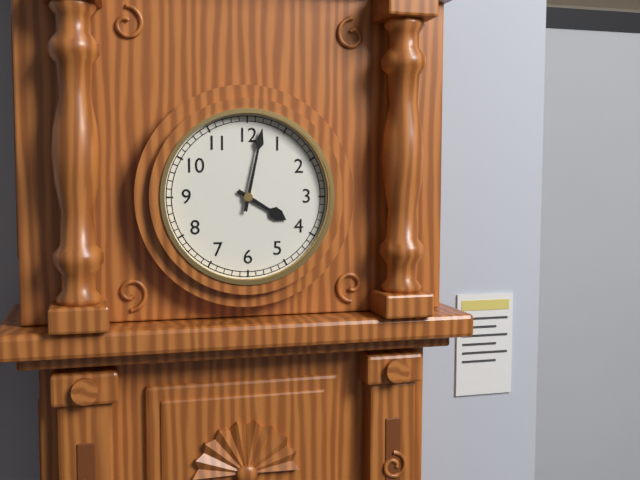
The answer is 4.02
